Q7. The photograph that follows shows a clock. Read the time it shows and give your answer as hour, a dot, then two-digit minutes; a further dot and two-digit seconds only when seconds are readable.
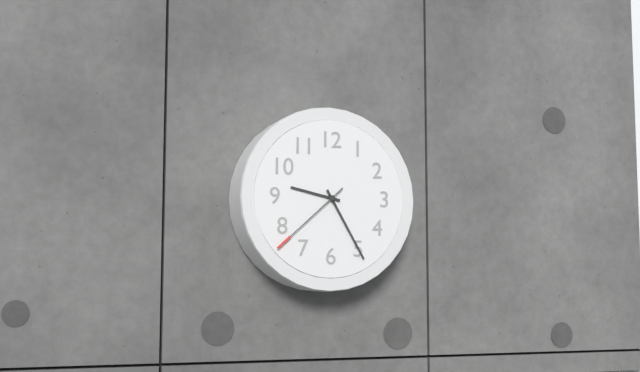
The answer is 9.25.38
